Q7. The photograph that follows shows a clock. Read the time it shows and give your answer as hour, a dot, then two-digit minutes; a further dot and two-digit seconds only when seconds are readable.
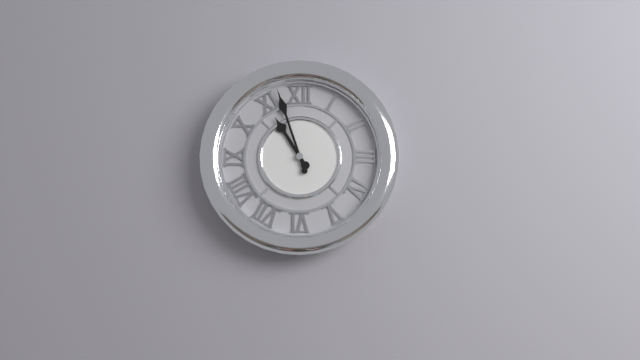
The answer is 10.57
